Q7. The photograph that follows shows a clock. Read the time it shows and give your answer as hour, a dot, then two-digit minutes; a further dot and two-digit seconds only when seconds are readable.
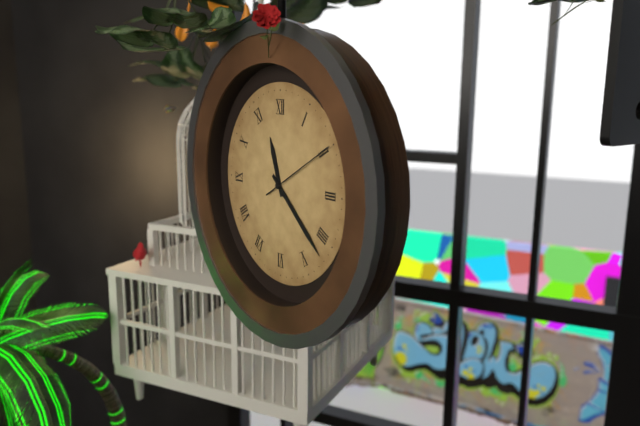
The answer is 11.22.10
